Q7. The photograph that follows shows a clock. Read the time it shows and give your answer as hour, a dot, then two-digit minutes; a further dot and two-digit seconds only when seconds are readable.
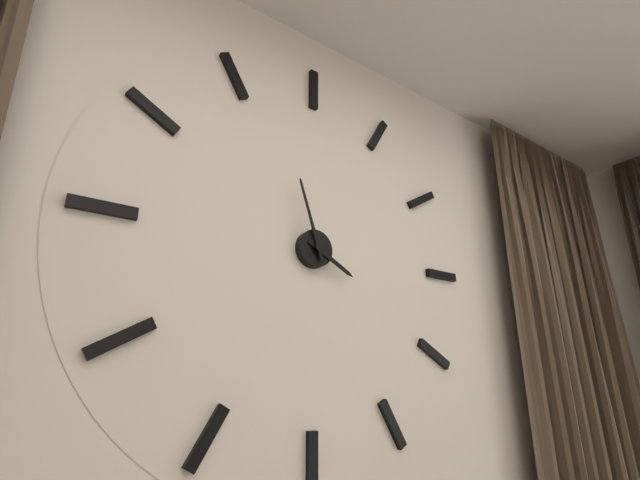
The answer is 3.57
